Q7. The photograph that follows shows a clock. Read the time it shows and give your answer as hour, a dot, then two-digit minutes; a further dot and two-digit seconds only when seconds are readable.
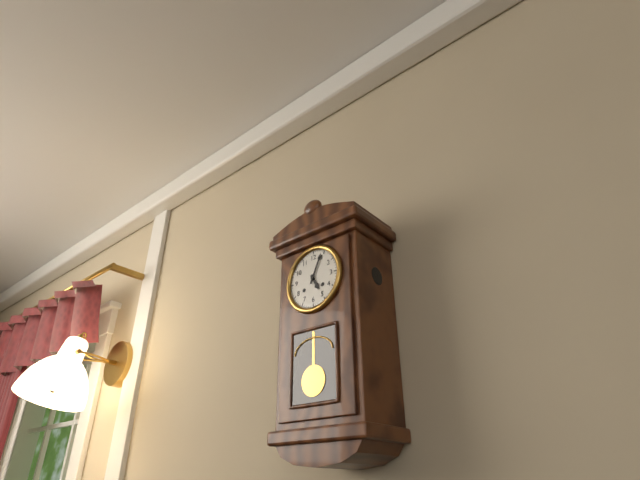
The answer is 5.04
